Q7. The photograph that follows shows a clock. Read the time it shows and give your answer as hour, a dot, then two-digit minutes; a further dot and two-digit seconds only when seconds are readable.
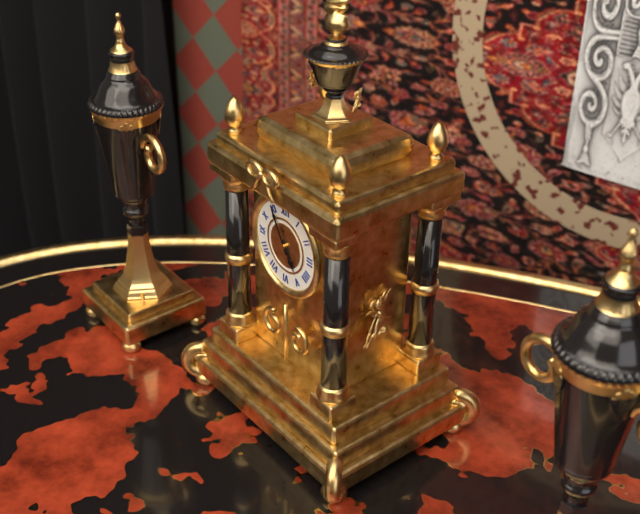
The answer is 4.55
